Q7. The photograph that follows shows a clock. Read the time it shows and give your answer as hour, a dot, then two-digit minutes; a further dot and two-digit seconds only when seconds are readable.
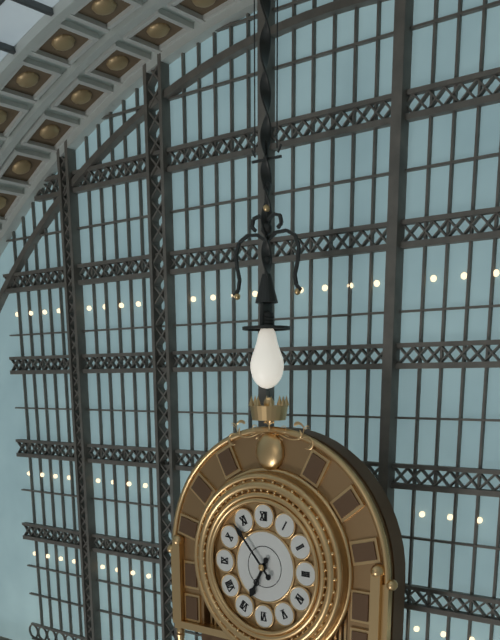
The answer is 6.53
